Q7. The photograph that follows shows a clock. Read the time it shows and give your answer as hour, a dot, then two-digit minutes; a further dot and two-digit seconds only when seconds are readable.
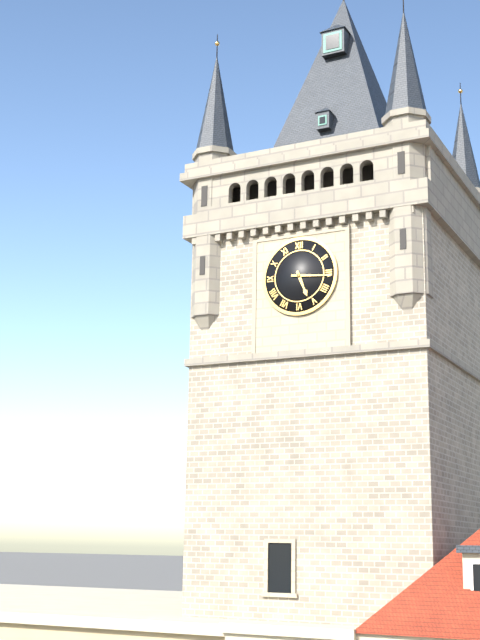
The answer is 5.16
